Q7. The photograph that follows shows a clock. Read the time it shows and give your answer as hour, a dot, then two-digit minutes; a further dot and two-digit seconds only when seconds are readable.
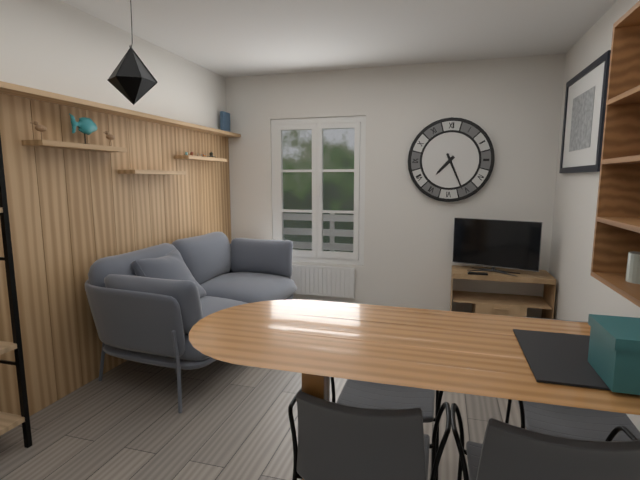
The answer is 7.26
